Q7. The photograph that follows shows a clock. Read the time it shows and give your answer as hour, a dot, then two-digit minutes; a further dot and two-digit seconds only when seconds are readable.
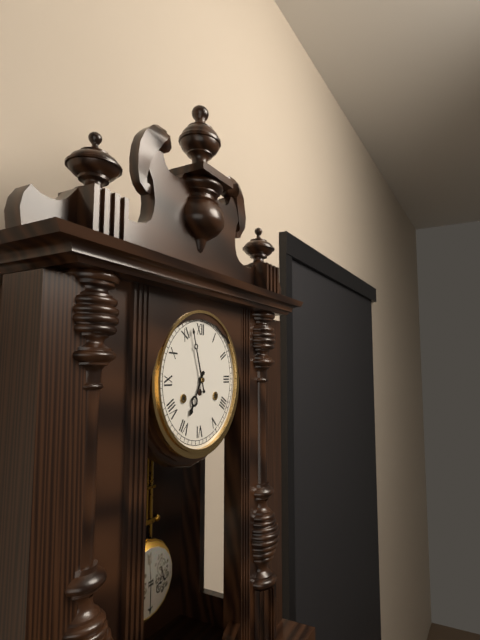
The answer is 6.57
